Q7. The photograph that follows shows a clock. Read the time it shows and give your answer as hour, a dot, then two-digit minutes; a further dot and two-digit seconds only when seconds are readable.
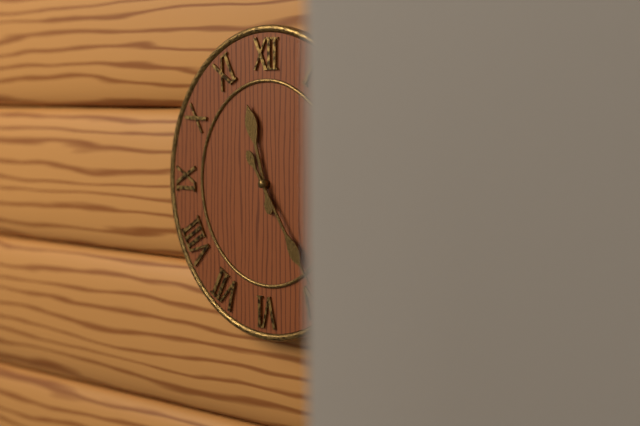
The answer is 11.24
